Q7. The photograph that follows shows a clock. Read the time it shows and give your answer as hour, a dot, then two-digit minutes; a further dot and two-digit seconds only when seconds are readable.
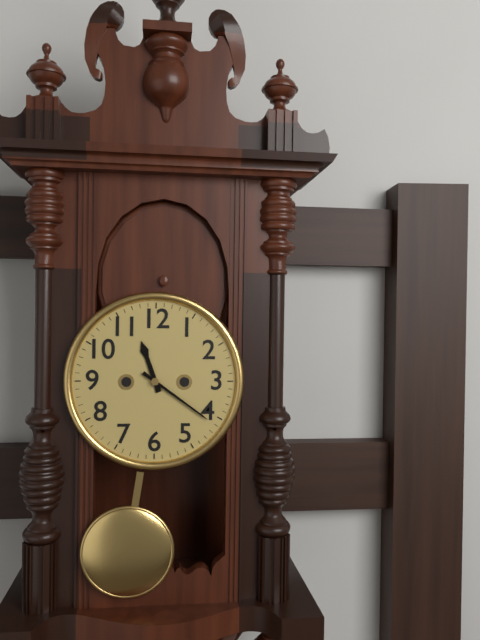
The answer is 11.21
